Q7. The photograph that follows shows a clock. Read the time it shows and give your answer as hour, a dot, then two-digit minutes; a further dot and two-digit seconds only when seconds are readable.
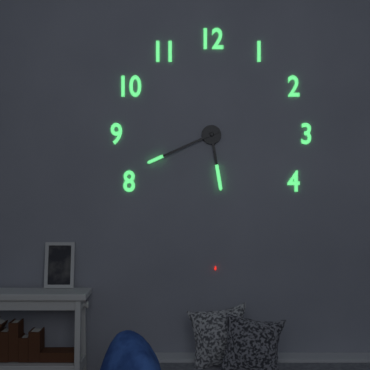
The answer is 5.41
